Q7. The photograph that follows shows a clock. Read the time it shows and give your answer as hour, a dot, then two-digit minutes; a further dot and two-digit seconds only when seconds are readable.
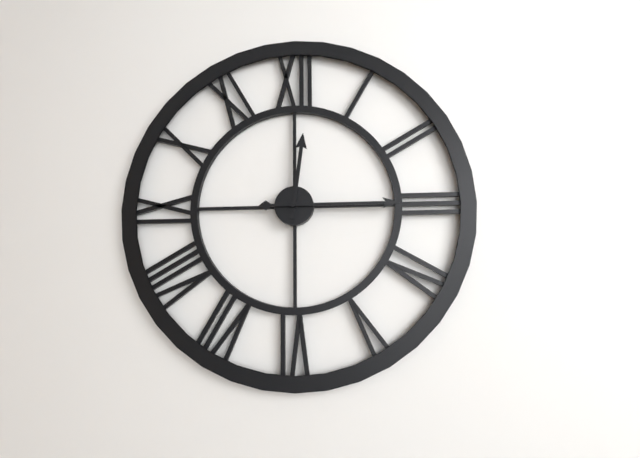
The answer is 12.15
